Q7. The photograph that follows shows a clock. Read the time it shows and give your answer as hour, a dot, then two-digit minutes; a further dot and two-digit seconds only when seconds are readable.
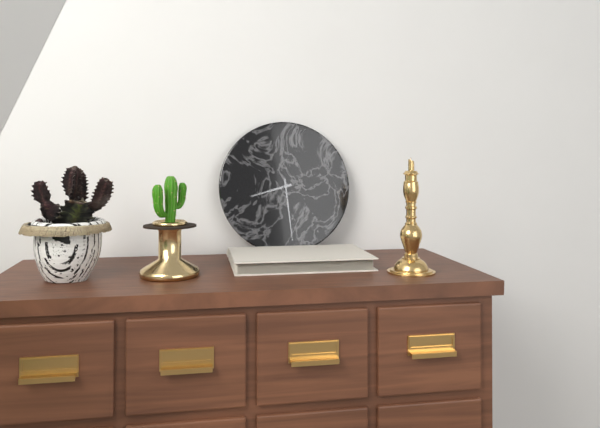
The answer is 8.29
